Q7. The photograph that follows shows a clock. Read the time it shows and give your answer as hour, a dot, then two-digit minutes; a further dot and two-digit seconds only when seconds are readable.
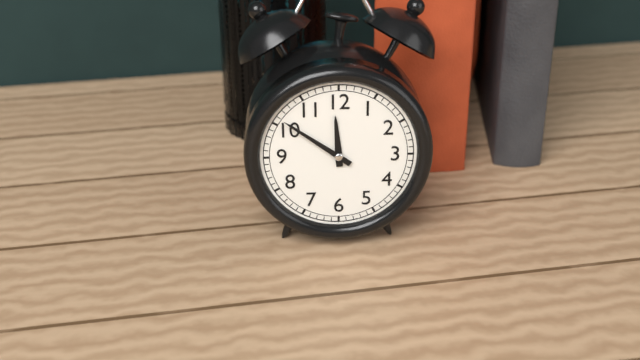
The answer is 11.51
